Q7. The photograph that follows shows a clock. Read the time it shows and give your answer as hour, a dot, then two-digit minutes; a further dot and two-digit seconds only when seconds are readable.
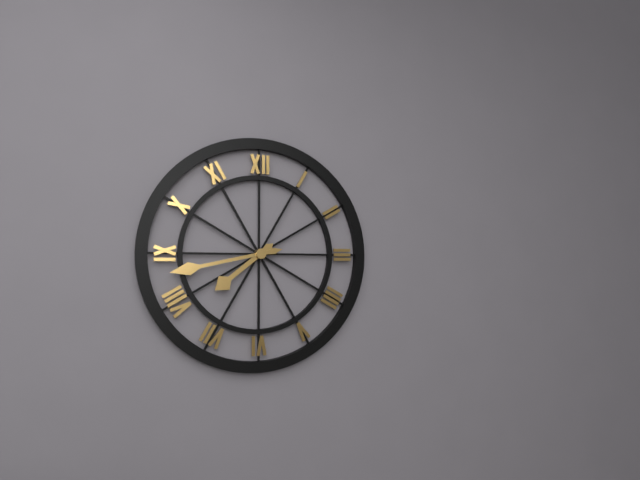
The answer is 7.43
